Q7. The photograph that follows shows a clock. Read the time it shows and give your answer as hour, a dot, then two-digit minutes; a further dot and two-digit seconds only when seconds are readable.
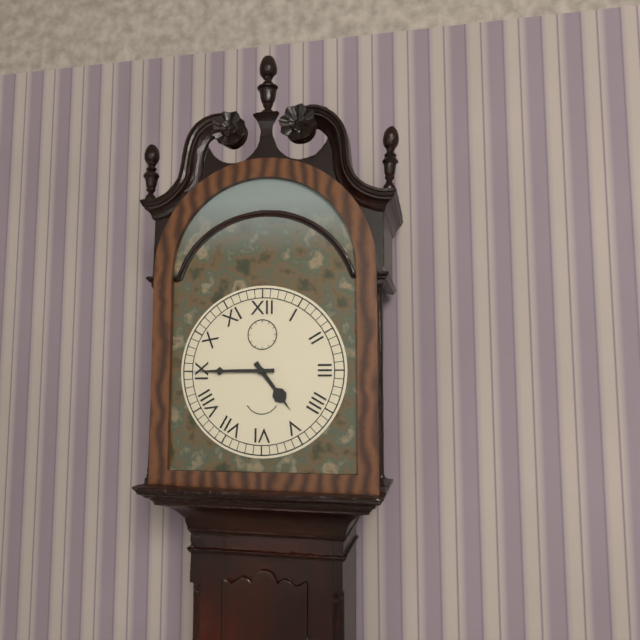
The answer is 4.45
